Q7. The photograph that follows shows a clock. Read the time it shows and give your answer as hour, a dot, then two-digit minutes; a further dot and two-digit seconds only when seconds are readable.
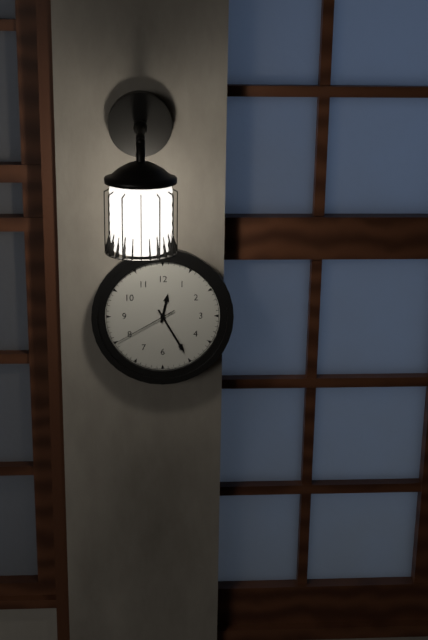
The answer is 12.25.40
